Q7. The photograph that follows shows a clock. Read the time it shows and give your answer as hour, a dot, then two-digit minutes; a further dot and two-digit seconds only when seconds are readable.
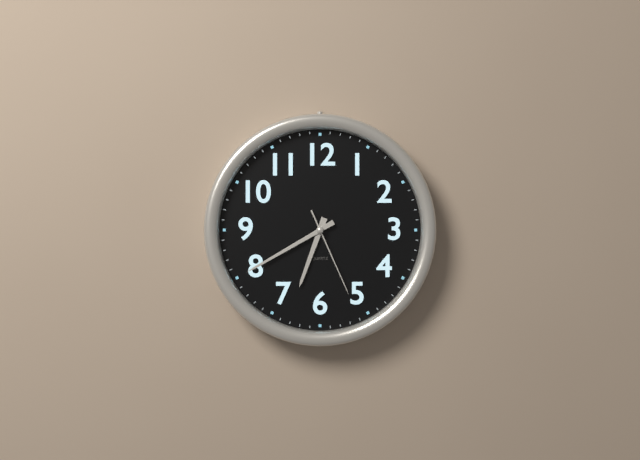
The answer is 6.40.26
